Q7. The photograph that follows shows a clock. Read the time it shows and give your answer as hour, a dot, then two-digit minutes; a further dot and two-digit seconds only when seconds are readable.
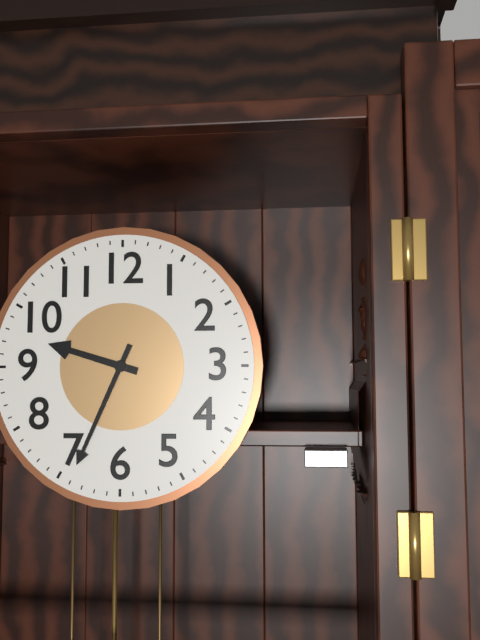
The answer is 9.34
